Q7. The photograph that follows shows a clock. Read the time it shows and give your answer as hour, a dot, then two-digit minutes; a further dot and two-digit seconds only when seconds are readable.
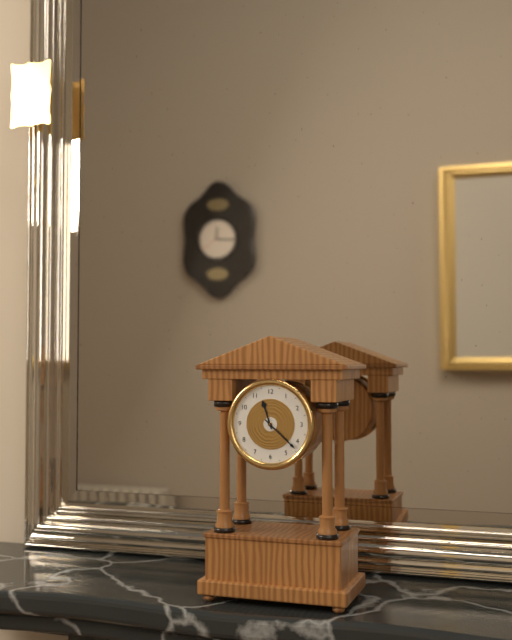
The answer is 11.22
